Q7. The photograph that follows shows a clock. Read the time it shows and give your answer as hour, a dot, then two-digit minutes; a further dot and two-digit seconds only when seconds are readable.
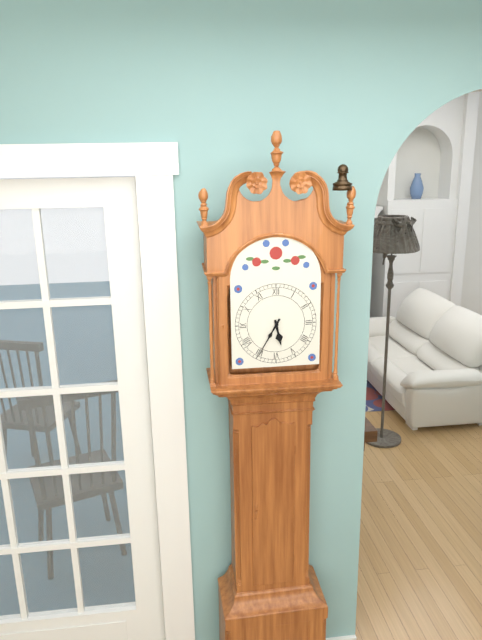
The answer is 5.35
